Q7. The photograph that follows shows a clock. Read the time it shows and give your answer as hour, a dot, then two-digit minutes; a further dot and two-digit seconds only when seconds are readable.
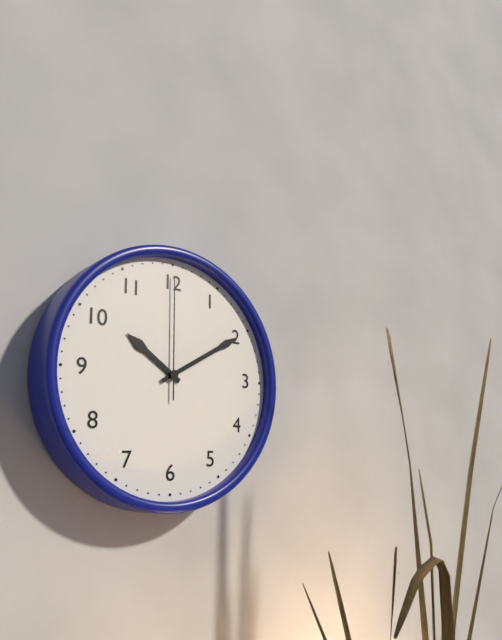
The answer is 10.10.00
